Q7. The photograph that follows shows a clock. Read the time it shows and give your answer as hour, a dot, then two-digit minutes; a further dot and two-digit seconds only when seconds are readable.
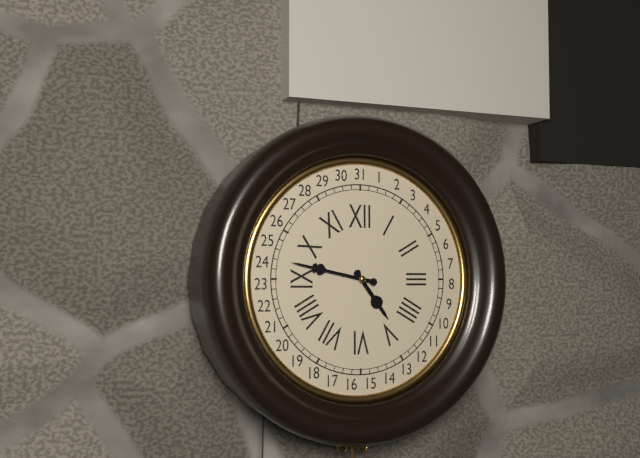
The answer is 4.47
